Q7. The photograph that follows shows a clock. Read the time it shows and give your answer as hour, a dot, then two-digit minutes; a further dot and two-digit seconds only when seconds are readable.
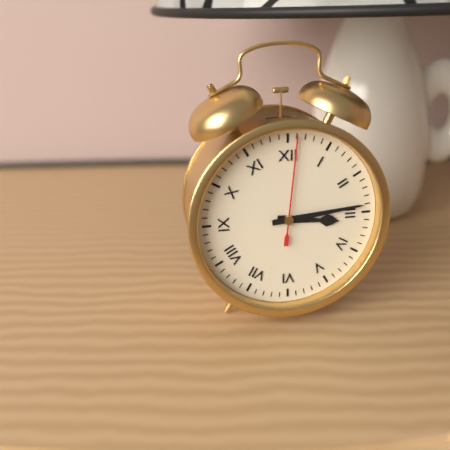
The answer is 3.14.01
